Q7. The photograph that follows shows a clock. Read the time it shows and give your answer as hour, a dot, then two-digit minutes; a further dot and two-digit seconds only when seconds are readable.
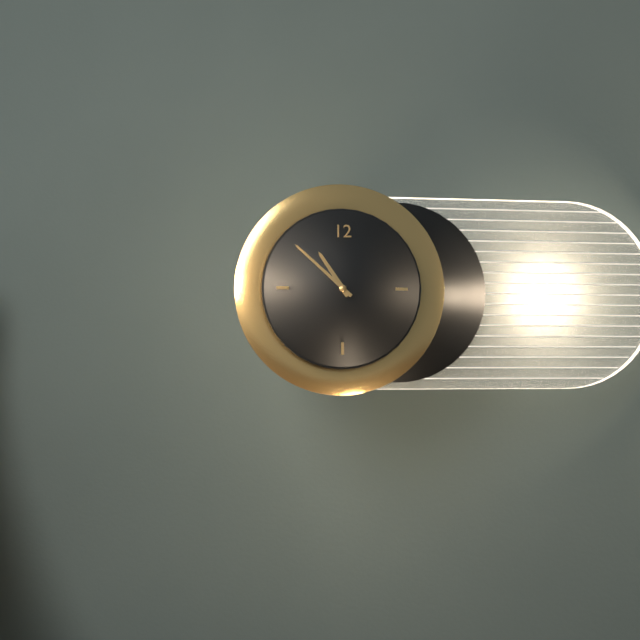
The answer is 10.52
